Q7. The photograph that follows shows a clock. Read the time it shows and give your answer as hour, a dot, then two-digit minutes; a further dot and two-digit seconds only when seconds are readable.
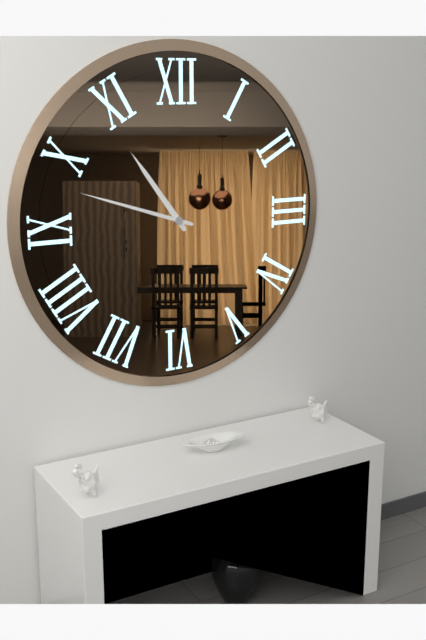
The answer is 10.48
